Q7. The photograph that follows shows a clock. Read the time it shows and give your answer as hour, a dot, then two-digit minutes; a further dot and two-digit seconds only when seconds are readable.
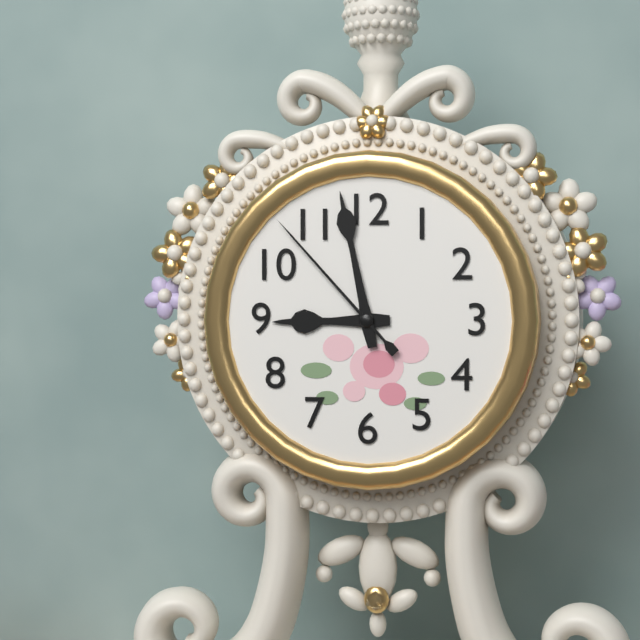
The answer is 8.58.53
